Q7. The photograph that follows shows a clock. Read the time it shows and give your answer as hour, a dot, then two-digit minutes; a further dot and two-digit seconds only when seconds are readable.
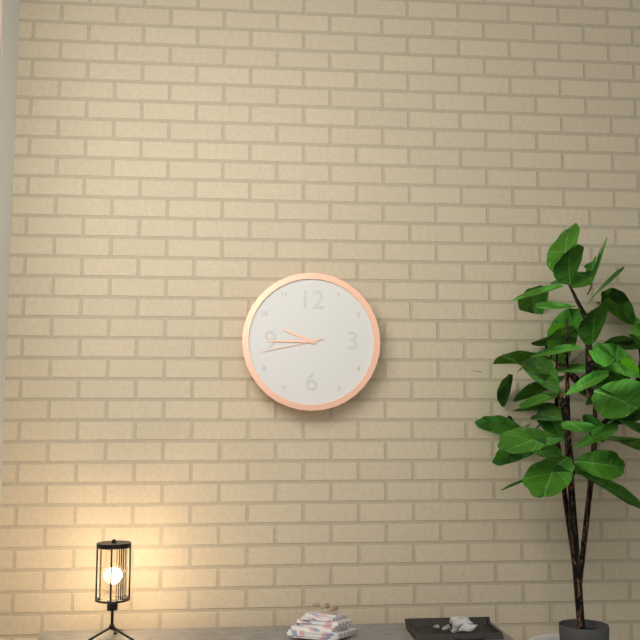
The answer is 9.45.43
